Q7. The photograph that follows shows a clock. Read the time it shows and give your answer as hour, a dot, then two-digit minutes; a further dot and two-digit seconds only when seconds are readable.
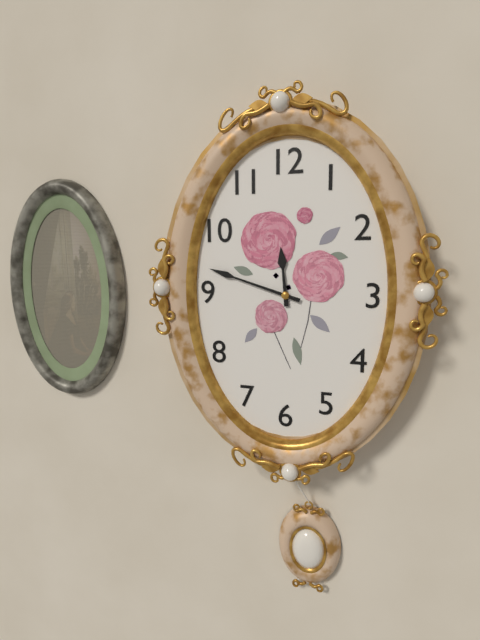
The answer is 11.48
